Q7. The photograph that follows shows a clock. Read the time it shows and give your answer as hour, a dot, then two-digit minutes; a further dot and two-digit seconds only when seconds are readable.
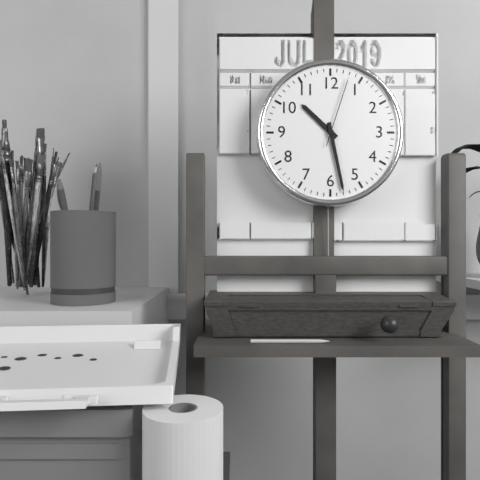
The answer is 10.28.03
